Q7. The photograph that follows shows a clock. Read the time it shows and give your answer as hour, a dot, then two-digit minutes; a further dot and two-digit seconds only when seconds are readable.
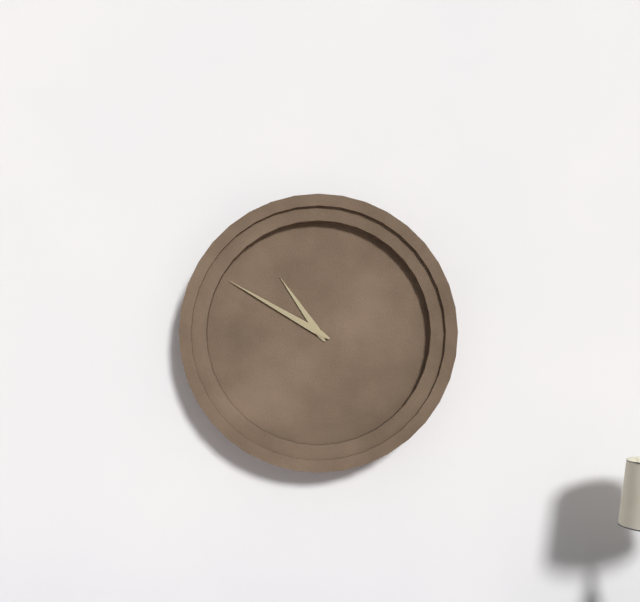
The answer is 10.50
